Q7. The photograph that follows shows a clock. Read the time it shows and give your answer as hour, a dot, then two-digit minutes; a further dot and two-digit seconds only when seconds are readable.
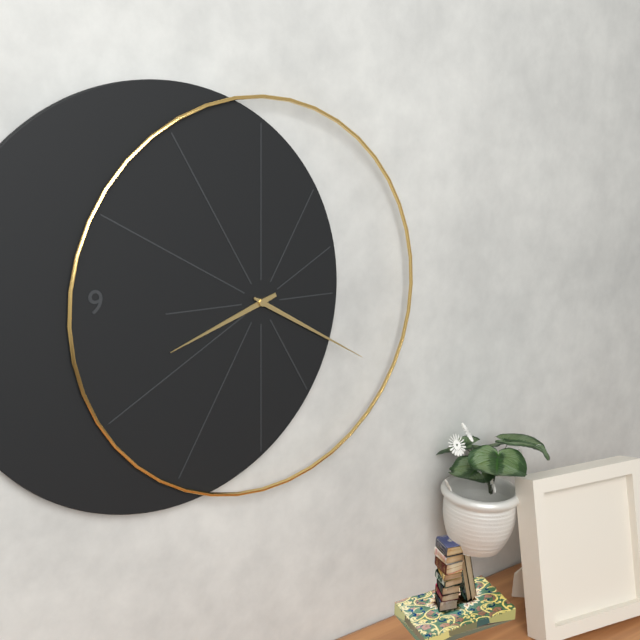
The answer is 8.20
